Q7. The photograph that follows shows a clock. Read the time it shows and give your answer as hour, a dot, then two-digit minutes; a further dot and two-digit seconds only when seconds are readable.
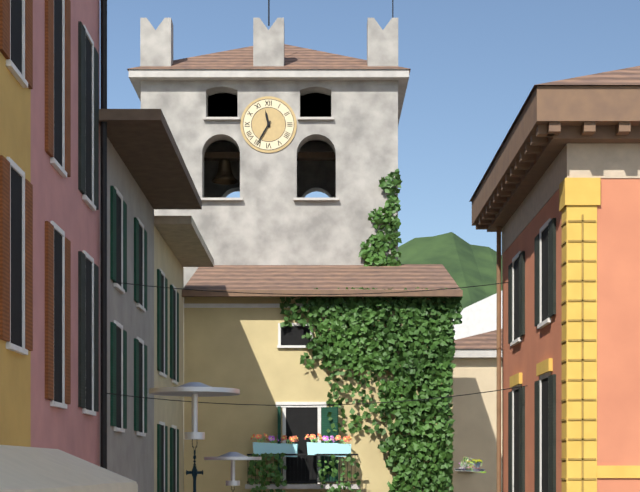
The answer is 11.35
